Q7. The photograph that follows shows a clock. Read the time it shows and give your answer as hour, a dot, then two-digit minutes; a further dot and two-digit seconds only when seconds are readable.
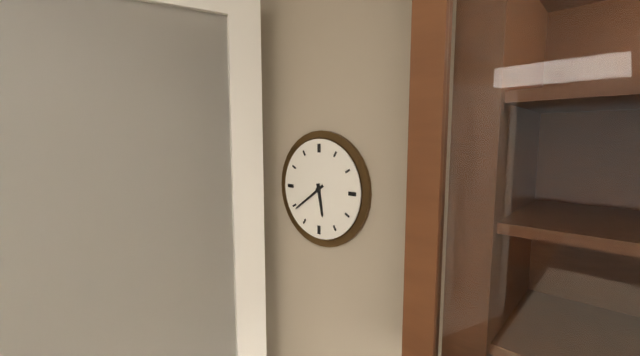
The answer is 5.39
